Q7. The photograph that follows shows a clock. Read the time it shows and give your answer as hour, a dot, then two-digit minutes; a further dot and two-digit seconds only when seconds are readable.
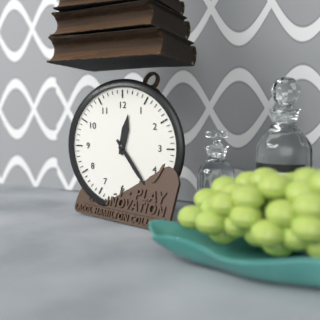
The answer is 12.24
